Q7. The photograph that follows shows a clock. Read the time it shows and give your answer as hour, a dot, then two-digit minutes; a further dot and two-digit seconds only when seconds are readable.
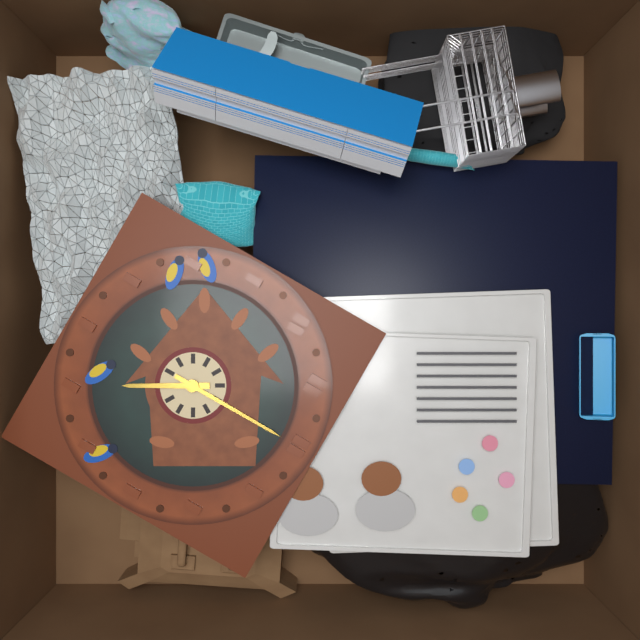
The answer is 5.00
